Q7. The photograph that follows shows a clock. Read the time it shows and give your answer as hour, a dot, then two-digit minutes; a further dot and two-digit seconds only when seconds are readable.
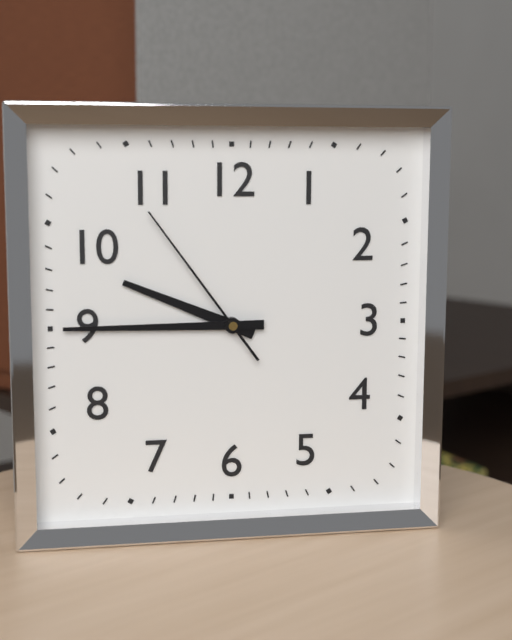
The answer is 9.45.54
